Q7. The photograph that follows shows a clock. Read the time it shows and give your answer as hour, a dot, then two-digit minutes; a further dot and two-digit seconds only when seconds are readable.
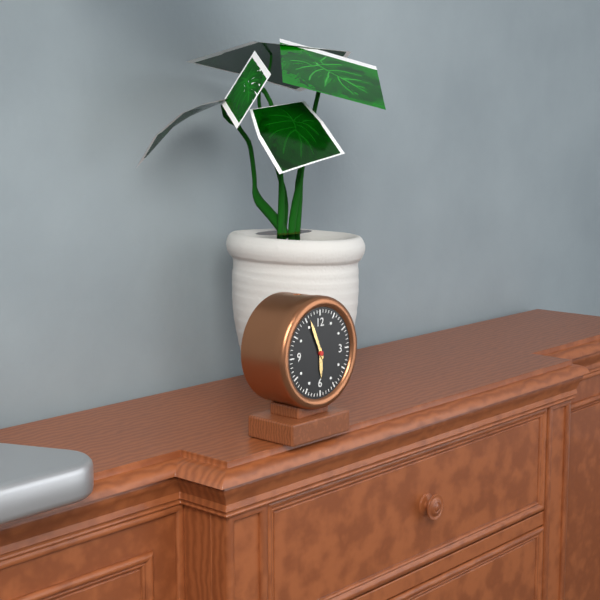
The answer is 5.56
